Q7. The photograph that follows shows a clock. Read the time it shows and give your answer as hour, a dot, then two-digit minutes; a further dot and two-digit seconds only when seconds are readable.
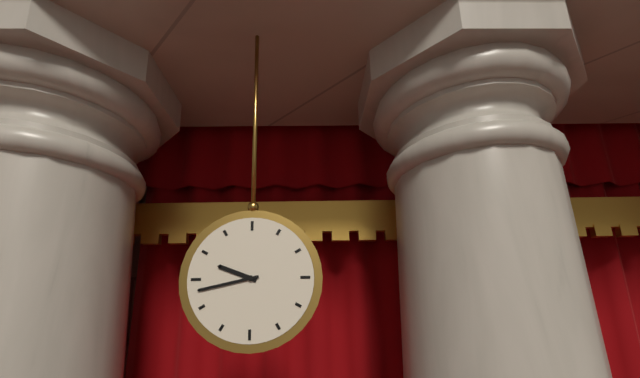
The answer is 9.43
